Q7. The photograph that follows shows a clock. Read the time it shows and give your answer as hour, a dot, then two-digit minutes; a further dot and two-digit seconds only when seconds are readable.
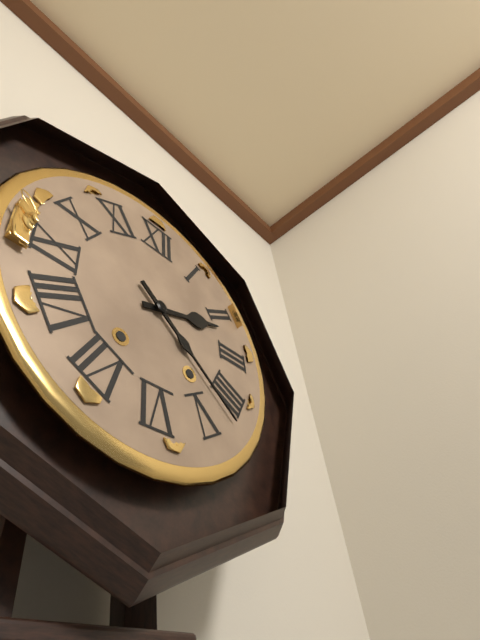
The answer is 2.22
